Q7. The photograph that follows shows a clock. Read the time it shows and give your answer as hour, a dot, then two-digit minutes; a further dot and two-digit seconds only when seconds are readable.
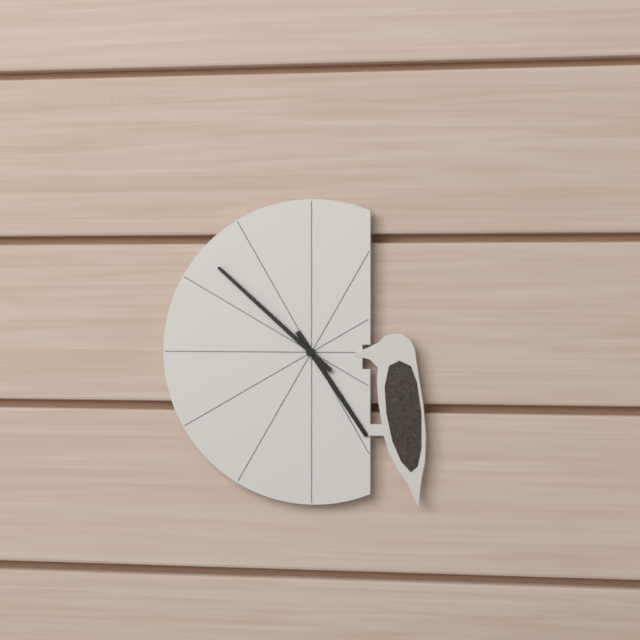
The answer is 4.52
